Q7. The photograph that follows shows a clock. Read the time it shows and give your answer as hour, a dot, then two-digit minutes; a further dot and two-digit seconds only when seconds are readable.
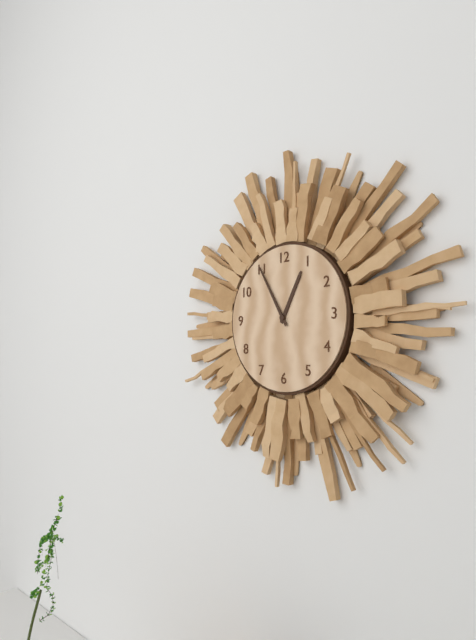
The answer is 12.55
